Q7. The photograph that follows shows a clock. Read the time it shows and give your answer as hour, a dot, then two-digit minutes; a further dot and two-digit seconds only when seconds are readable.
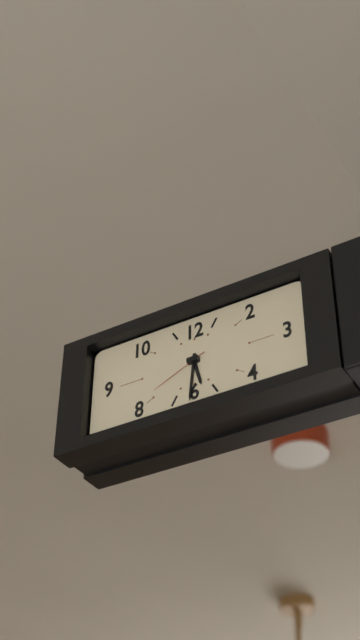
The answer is 5.31.41
